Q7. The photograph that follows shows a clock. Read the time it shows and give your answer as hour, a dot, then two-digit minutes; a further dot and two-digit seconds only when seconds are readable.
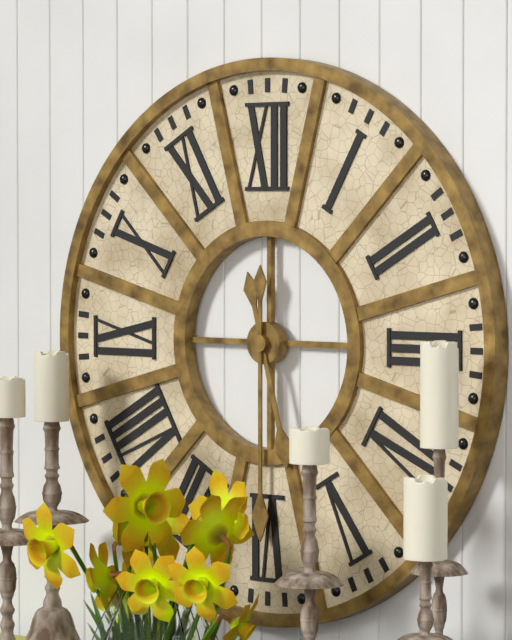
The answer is 5.30
